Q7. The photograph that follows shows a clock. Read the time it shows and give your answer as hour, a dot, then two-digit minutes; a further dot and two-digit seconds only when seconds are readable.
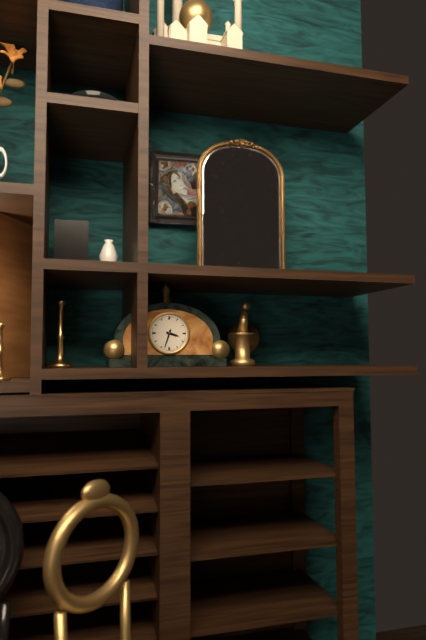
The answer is 3.33
